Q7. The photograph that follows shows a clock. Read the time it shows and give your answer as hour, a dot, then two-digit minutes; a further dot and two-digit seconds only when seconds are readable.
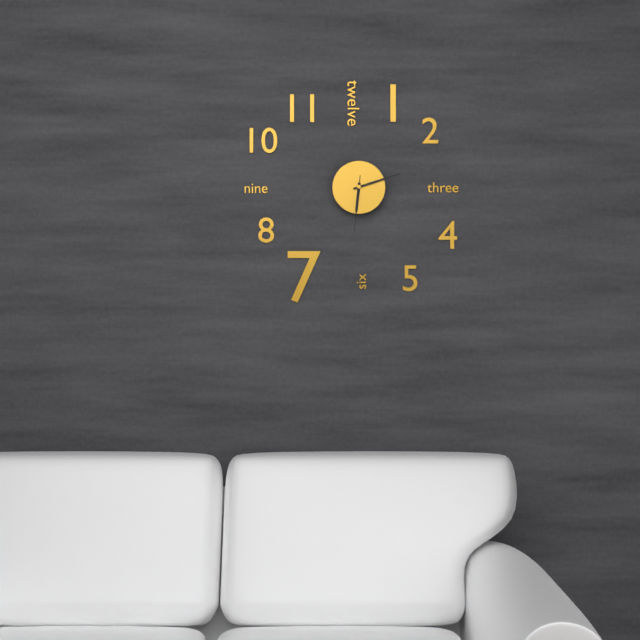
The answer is 6.12.31
